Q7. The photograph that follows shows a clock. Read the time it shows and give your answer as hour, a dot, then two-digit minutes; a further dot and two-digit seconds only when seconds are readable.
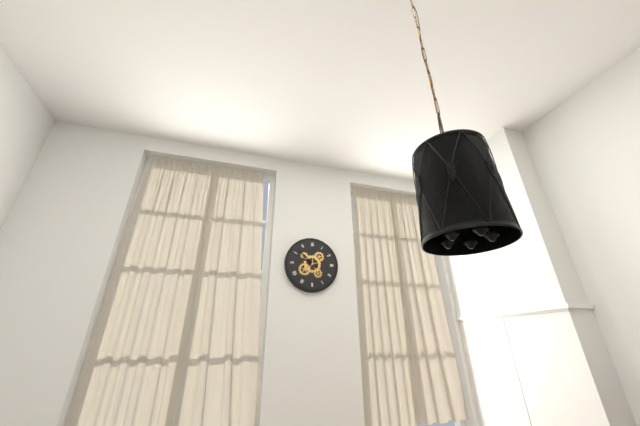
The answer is 9.52
